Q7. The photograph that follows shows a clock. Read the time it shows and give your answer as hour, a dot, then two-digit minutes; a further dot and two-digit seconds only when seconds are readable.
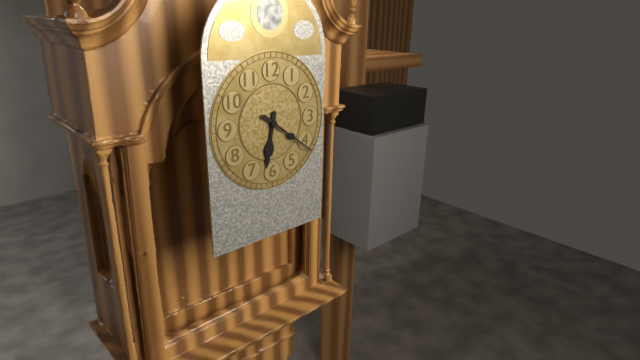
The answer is 6.21
